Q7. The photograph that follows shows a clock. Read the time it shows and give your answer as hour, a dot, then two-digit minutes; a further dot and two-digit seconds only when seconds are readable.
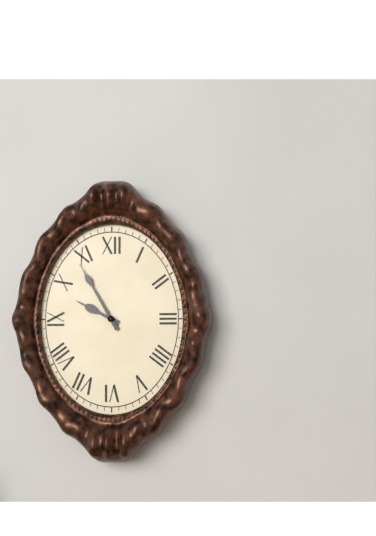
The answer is 9.55
